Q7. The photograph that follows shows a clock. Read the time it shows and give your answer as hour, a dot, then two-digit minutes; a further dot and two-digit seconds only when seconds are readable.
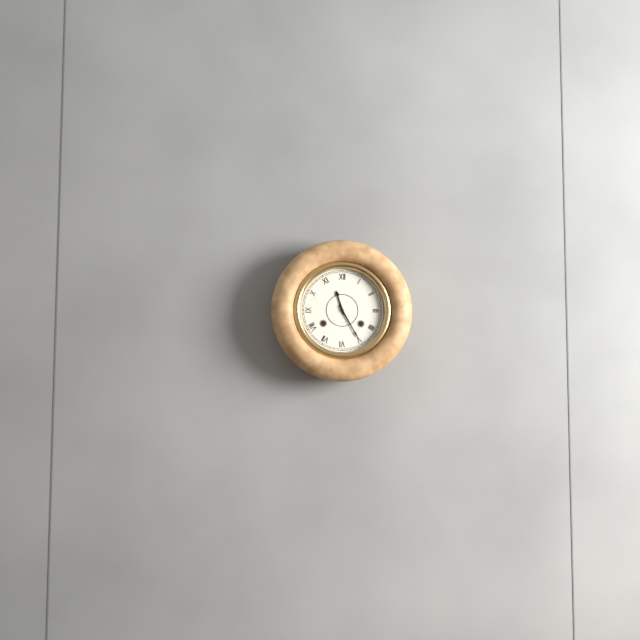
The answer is 11.25
